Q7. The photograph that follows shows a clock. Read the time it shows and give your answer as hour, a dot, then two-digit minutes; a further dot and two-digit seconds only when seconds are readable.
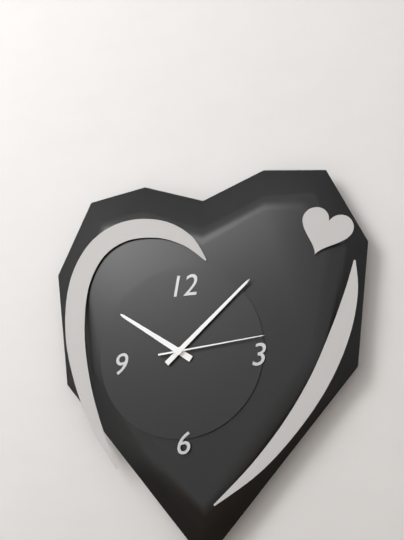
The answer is 10.08.14
